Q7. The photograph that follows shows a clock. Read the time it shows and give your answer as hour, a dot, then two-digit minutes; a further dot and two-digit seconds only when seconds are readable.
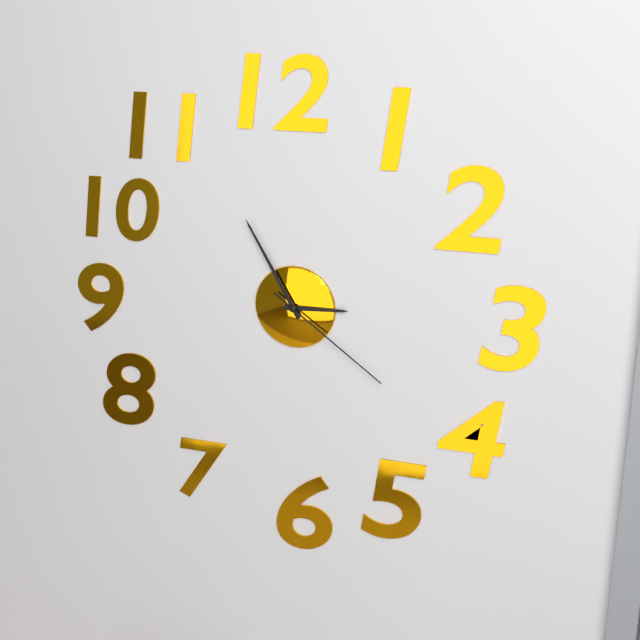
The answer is 2.55.21
